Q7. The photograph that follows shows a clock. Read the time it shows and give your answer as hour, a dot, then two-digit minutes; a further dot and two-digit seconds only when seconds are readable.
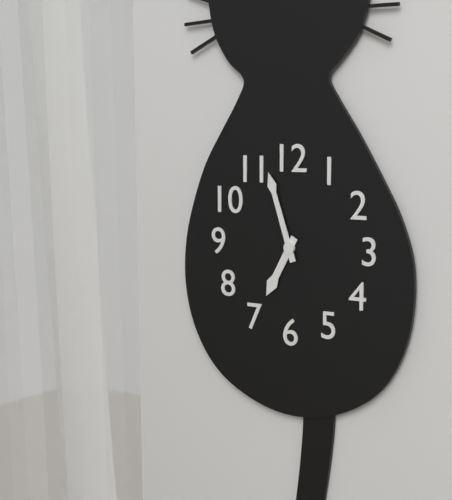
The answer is 6.57
